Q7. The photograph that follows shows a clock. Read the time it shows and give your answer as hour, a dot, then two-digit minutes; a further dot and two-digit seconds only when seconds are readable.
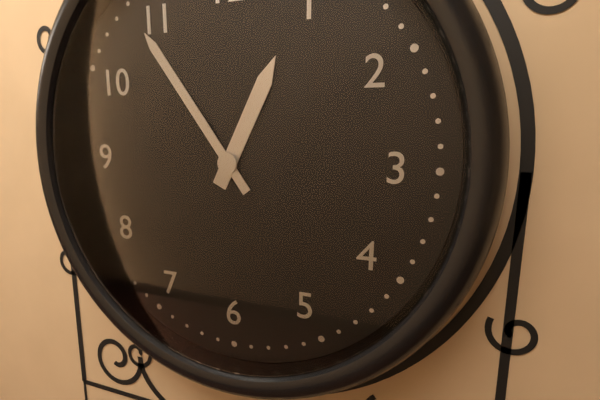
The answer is 12.54
